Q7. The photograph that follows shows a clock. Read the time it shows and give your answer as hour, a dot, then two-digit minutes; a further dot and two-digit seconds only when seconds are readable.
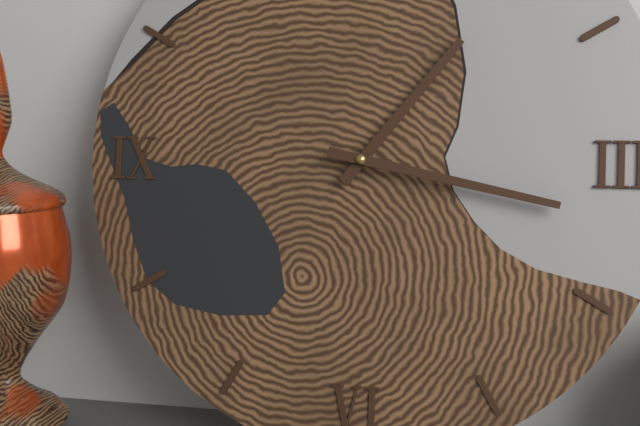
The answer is 1.17
